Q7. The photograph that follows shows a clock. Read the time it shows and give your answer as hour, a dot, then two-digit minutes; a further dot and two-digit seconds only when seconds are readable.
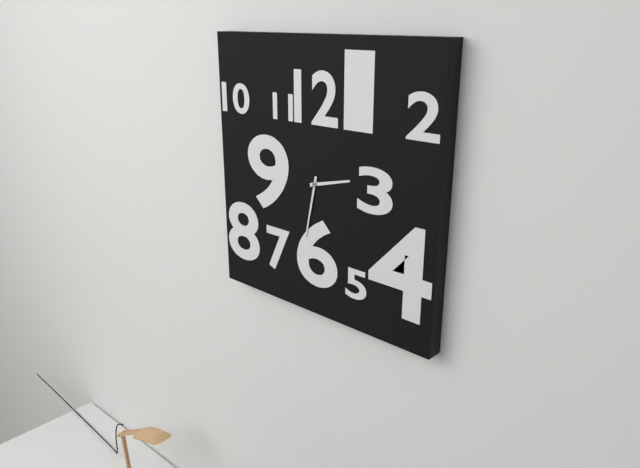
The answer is 2.32
